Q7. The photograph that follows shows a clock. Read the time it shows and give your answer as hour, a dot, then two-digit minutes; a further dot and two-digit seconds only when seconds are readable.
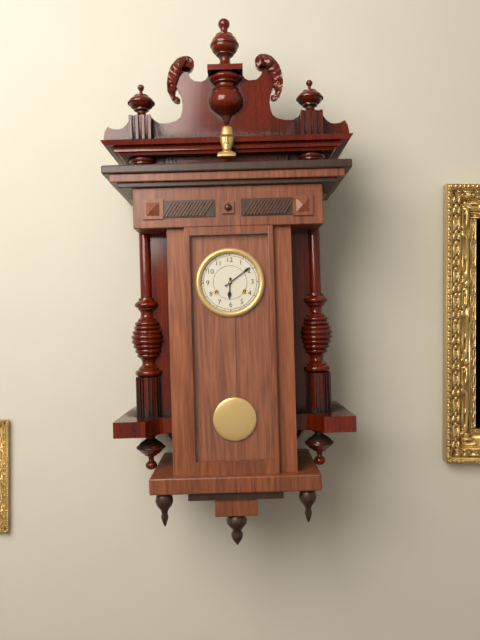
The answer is 6.09
